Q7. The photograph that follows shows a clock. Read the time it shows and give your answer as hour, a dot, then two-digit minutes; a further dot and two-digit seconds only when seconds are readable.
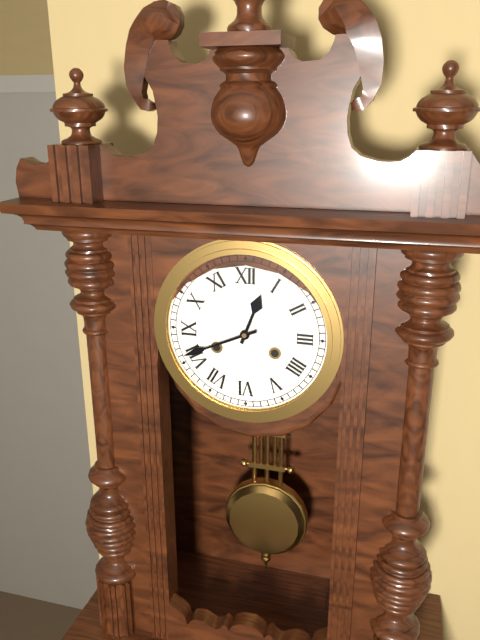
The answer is 12.41
